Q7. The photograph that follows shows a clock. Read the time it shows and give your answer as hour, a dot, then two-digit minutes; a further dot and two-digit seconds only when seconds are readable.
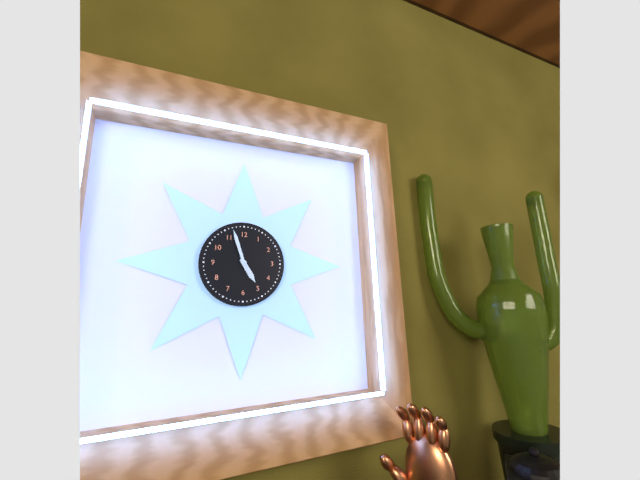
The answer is 4.57
